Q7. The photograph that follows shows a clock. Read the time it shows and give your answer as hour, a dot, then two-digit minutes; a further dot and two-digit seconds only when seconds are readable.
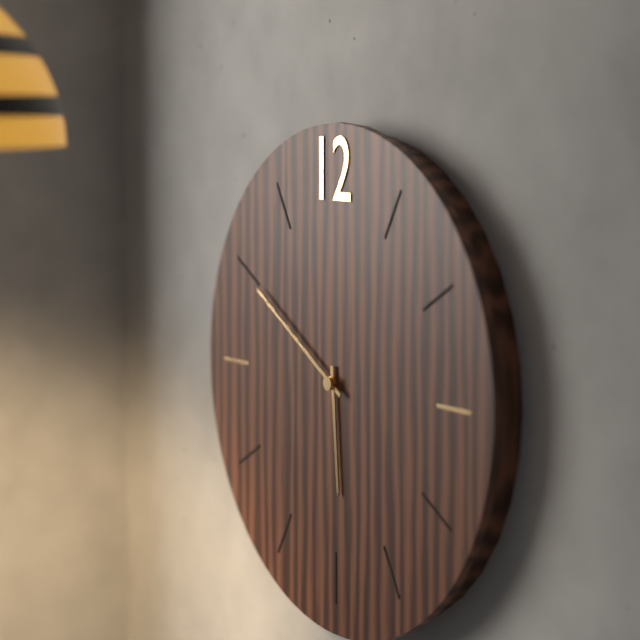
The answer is 5.50
